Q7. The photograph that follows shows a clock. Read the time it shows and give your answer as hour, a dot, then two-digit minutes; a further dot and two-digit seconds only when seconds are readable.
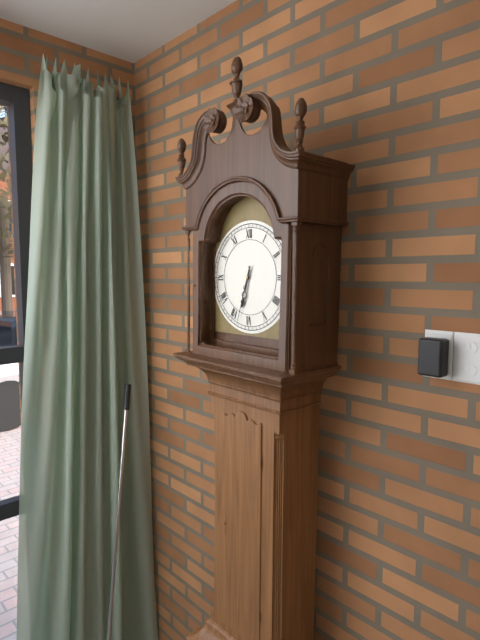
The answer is 6.33
